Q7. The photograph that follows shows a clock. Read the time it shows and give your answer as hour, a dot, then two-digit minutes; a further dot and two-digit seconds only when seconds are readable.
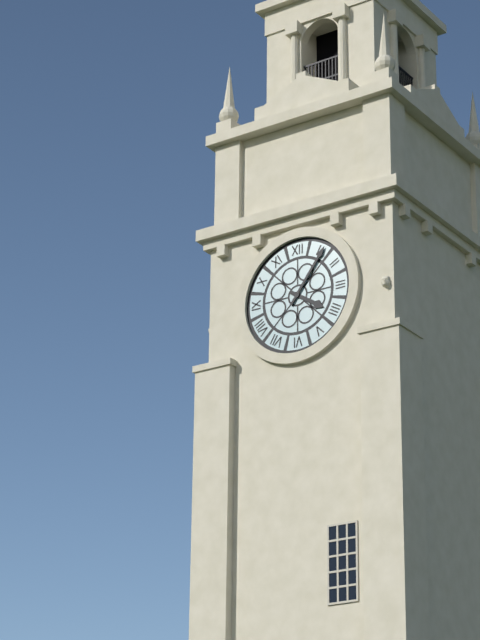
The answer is 4.06
